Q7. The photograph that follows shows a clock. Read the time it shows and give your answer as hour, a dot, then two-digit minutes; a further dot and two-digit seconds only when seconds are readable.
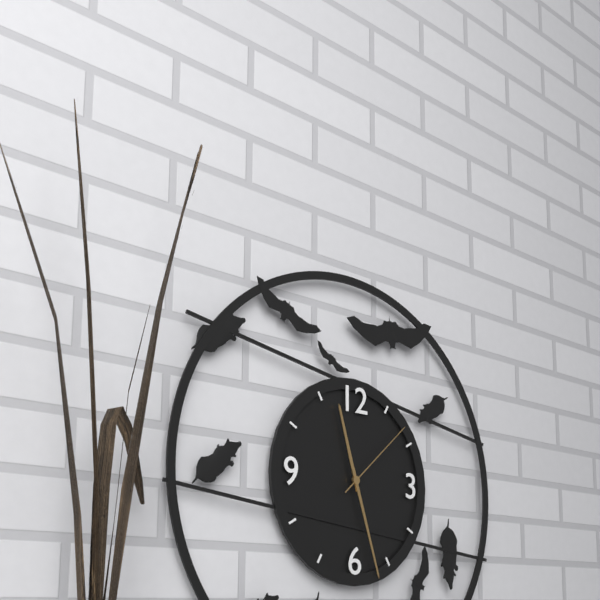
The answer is 11.27.08
